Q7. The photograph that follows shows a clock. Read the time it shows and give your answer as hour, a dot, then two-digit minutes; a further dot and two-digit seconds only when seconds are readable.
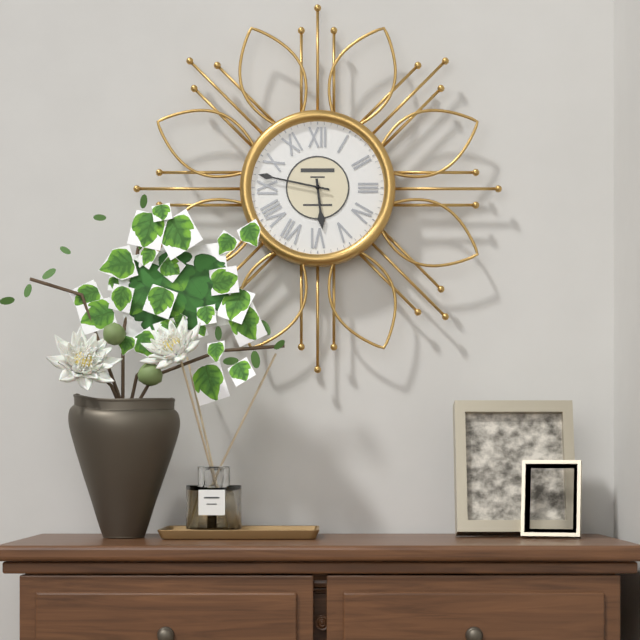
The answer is 5.47
